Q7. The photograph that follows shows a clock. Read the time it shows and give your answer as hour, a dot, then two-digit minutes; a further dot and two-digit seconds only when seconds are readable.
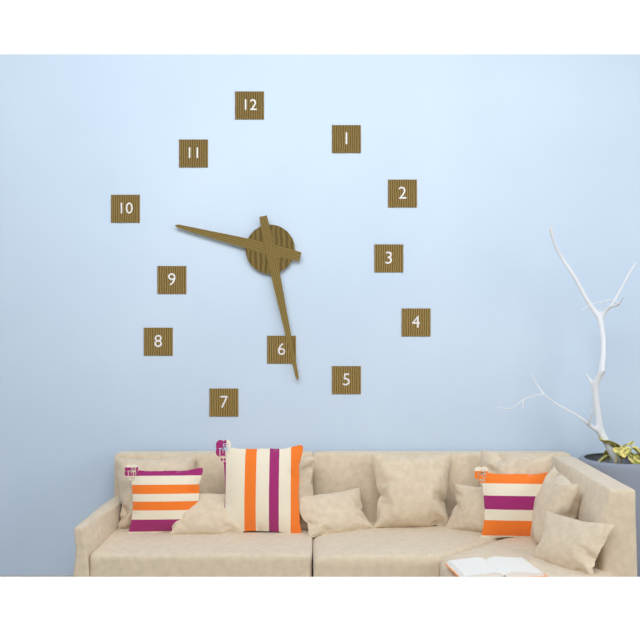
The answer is 9.28
